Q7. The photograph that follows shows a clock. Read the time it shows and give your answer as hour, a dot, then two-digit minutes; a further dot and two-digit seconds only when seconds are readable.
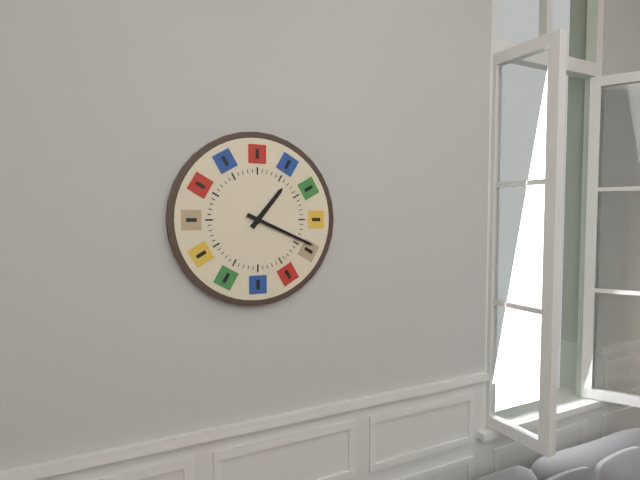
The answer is 1.19
